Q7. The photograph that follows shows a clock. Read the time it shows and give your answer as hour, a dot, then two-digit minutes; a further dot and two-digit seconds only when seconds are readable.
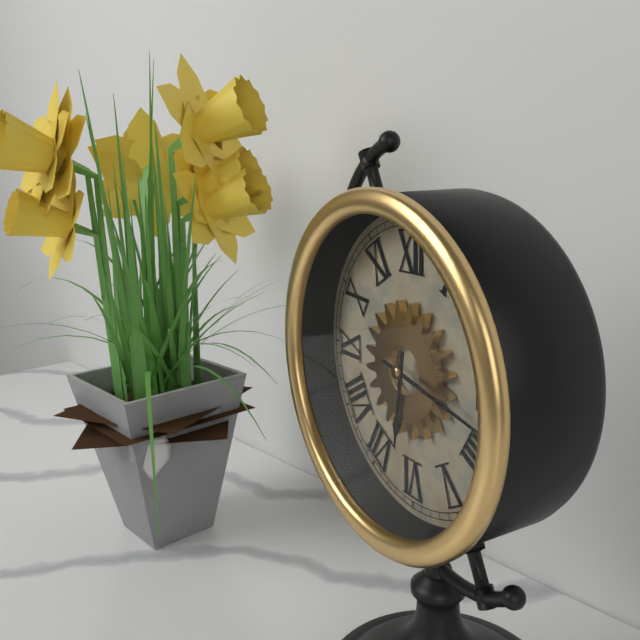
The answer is 6.17
